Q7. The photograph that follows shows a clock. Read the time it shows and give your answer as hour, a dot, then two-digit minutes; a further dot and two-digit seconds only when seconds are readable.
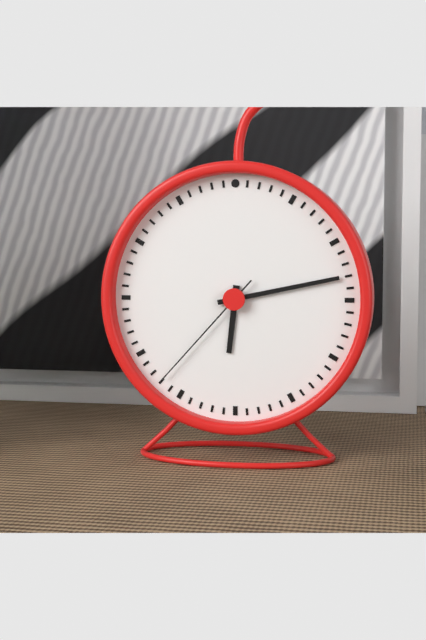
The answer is 6.13.37
